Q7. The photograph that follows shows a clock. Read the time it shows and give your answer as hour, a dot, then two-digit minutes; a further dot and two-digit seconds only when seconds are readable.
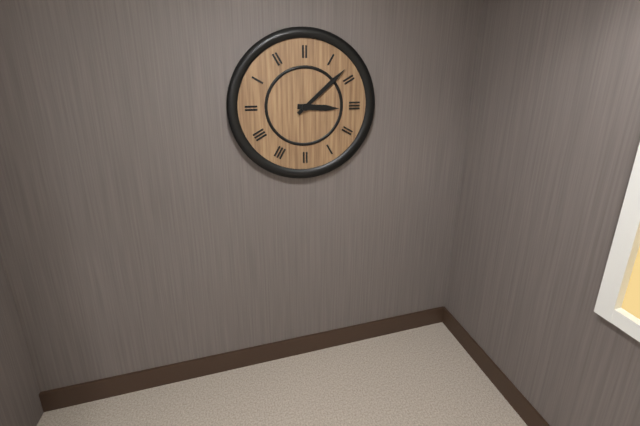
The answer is 3.08
